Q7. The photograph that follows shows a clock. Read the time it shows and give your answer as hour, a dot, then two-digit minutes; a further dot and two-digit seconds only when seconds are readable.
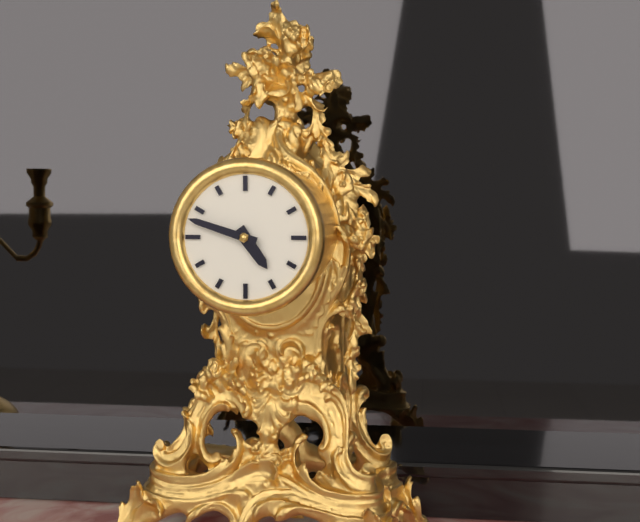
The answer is 4.48
